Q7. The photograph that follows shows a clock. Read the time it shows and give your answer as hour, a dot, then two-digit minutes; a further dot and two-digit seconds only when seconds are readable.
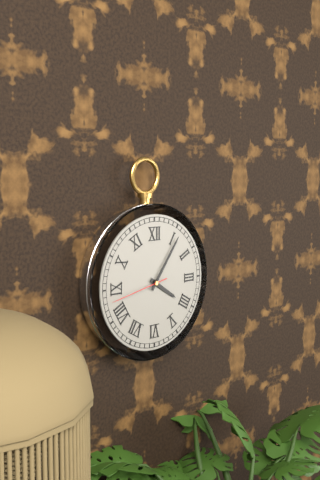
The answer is 4.06.43
